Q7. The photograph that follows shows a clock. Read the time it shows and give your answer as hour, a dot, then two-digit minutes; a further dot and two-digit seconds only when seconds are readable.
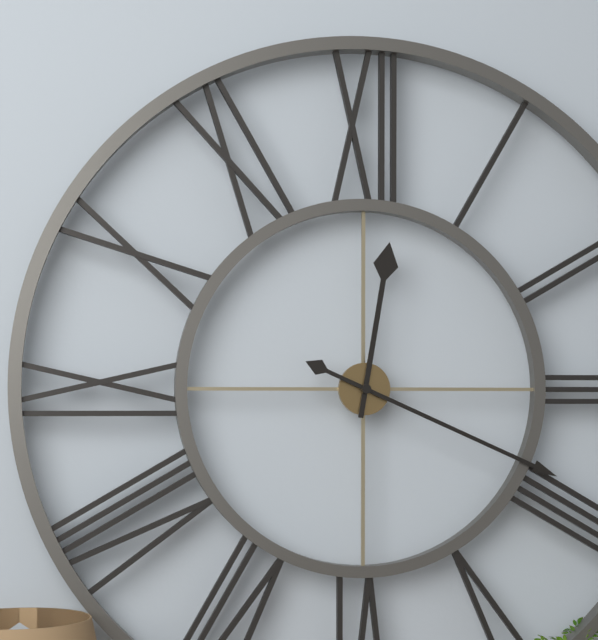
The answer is 12.19
